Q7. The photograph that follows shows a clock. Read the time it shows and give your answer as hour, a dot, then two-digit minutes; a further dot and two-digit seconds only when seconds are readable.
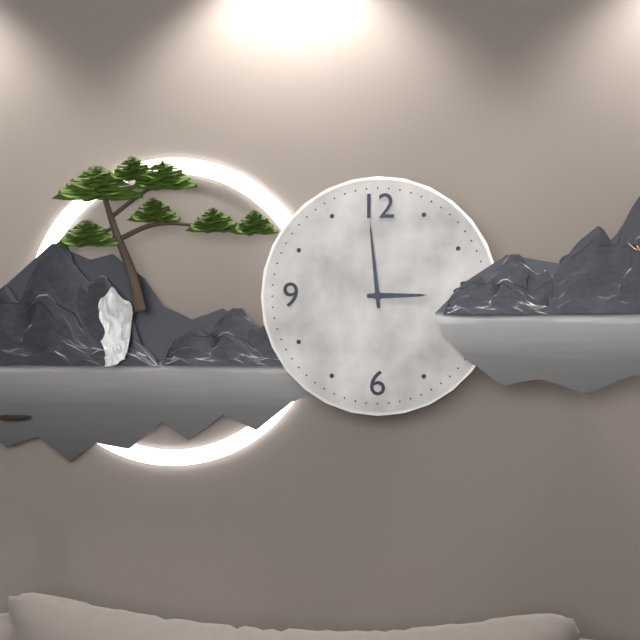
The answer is 2.59
